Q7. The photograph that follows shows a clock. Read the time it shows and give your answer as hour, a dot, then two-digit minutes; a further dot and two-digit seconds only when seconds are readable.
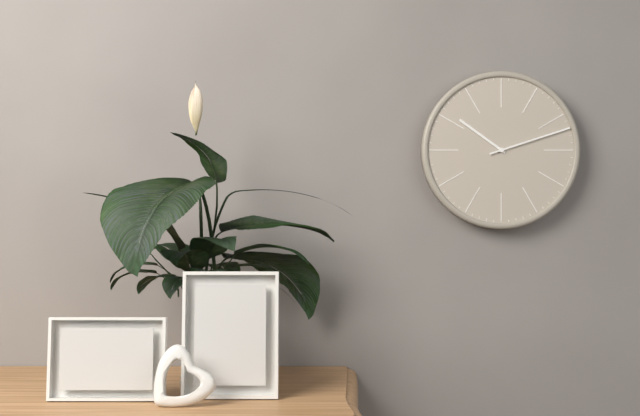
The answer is 10.12
